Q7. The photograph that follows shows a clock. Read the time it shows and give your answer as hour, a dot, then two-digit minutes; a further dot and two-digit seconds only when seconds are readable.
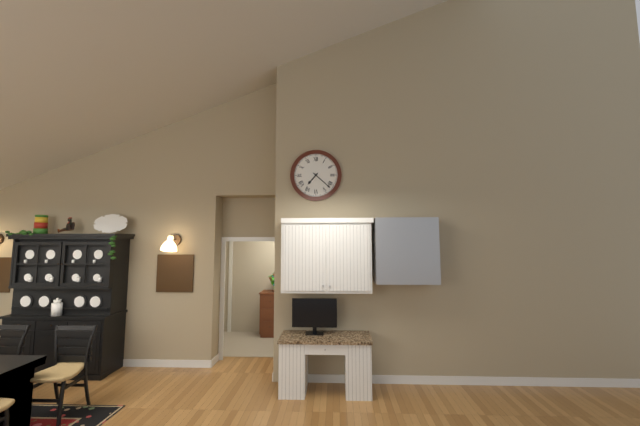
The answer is 7.22
